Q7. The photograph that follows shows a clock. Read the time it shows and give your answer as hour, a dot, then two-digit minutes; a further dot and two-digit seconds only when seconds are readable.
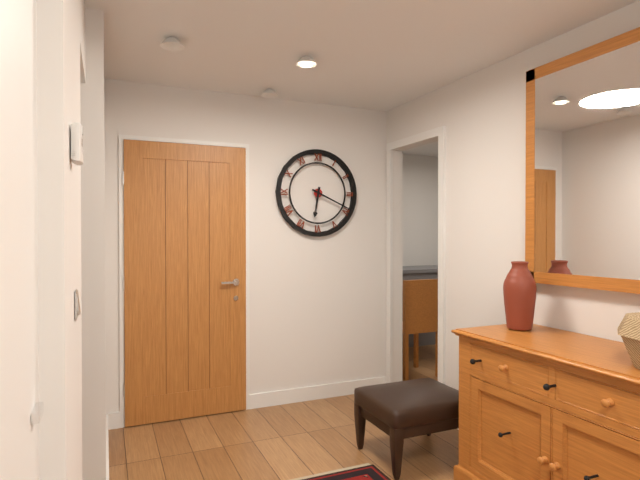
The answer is 6.19
